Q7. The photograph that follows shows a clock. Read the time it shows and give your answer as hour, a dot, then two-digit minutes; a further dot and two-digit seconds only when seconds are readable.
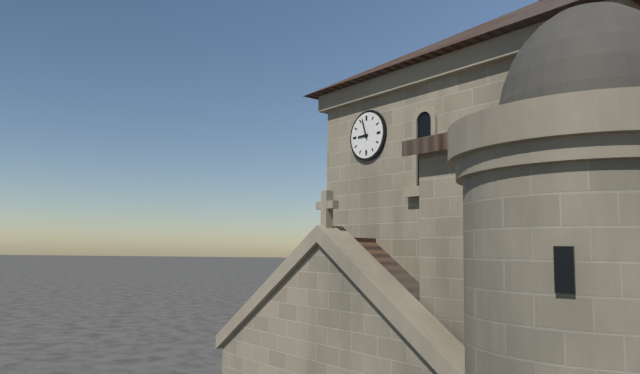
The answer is 8.57
